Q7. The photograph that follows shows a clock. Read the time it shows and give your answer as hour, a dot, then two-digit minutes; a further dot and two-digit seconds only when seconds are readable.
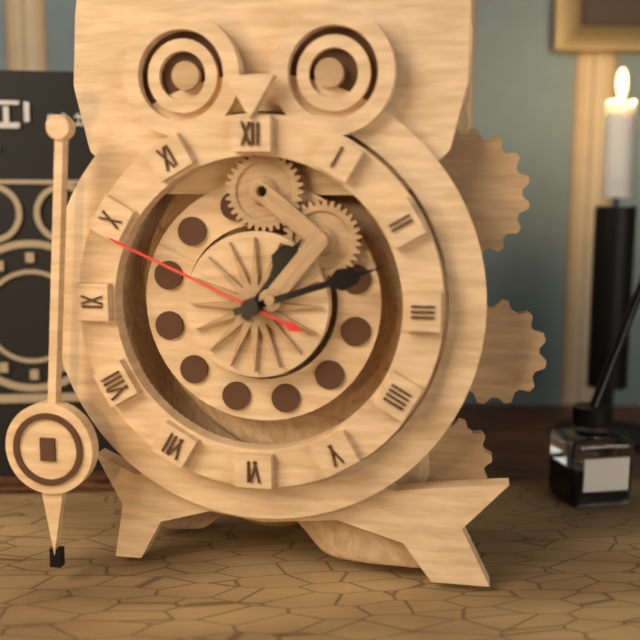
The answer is 1.12.49
